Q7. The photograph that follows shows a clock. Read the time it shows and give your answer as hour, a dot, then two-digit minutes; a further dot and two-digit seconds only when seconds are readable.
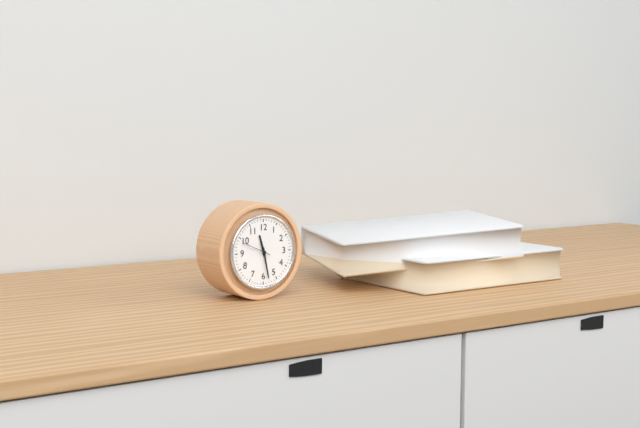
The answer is 11.28
